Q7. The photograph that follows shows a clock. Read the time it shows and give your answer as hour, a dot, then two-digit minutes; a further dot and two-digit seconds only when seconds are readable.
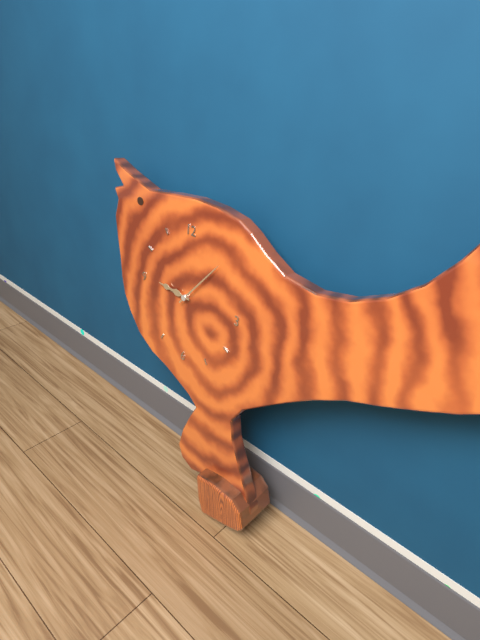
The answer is 9.07
